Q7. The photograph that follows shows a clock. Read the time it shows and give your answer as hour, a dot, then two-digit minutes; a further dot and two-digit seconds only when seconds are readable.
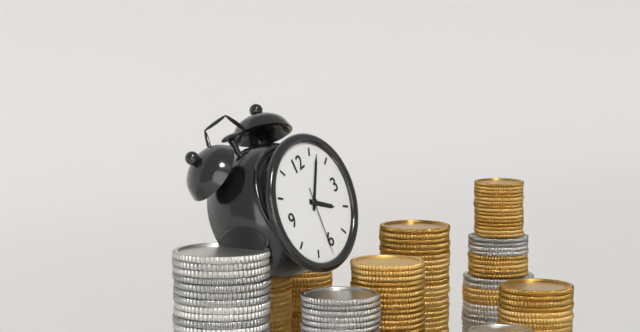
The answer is 4.07.31
